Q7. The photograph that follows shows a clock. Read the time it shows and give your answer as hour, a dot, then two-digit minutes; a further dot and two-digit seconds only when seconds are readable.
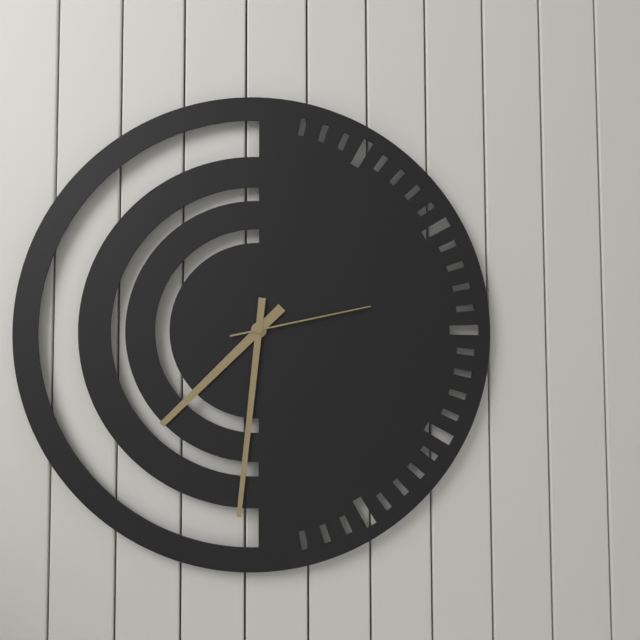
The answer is 7.31.13
